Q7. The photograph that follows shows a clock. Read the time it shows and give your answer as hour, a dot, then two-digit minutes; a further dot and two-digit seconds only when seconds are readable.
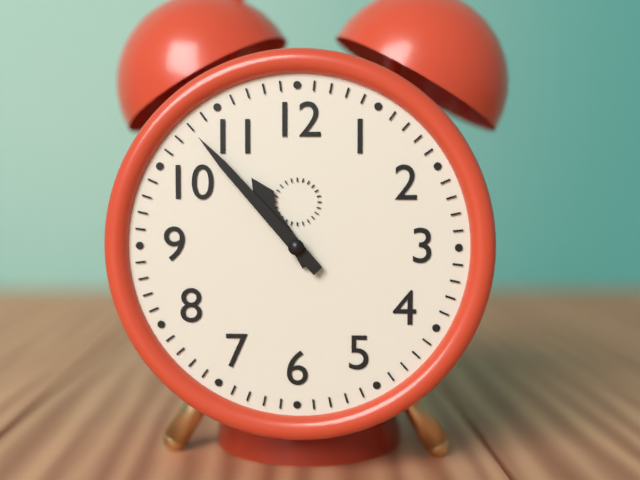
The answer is 10.53
